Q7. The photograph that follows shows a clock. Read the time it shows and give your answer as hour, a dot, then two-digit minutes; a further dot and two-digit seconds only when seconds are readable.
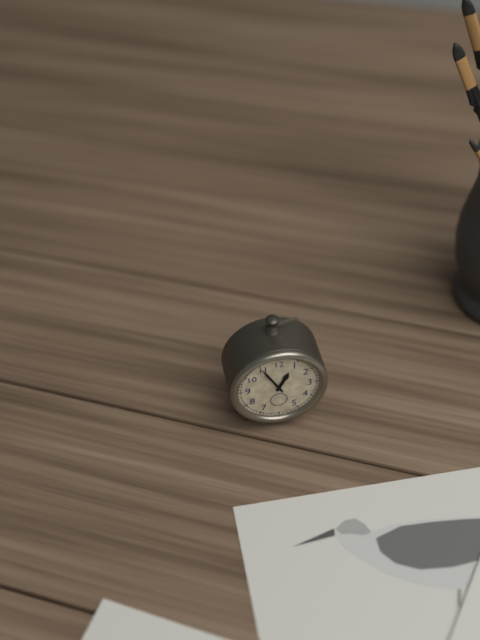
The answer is 12.55
